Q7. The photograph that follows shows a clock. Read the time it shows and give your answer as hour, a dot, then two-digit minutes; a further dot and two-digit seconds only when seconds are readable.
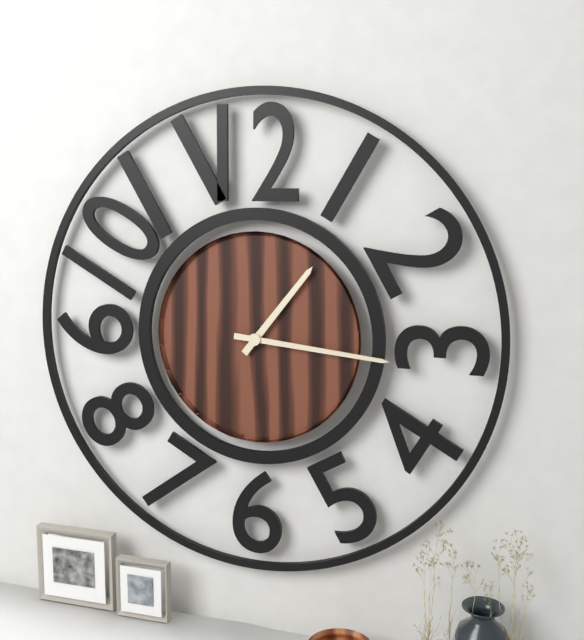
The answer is 1.16
